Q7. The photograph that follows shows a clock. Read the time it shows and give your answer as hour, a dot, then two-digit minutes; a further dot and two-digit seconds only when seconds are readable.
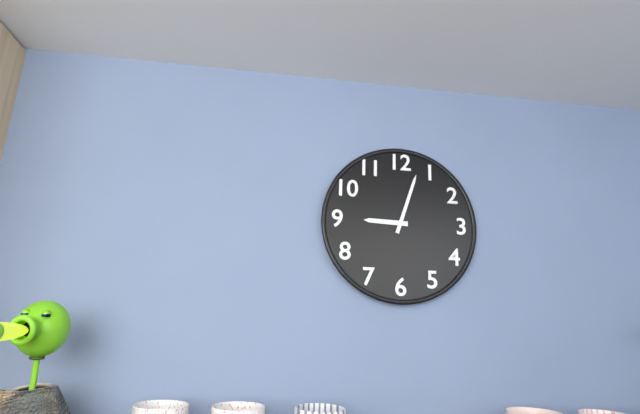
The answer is 9.03
